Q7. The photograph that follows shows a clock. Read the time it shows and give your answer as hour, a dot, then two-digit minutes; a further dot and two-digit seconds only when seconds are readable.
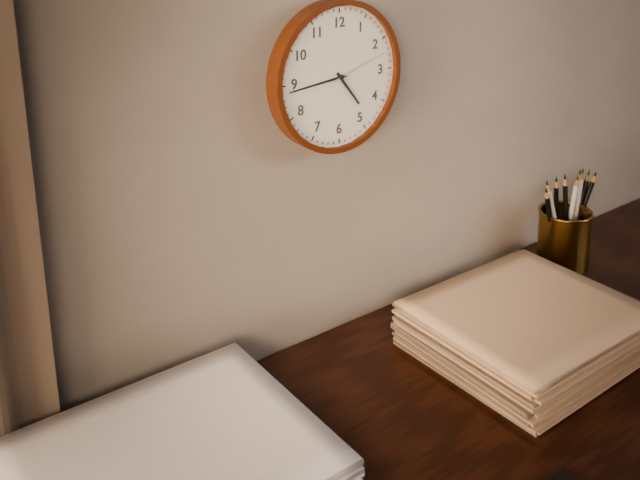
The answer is 4.44.12
